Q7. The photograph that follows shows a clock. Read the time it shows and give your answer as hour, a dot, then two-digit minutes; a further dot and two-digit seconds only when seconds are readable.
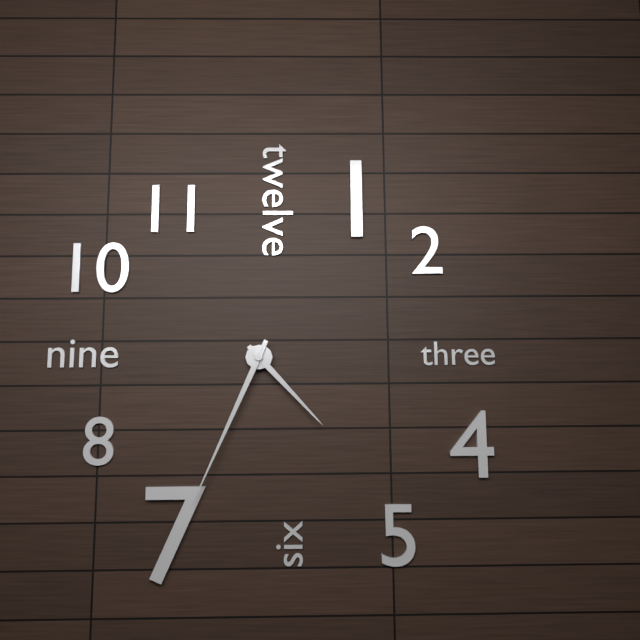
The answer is 4.34
